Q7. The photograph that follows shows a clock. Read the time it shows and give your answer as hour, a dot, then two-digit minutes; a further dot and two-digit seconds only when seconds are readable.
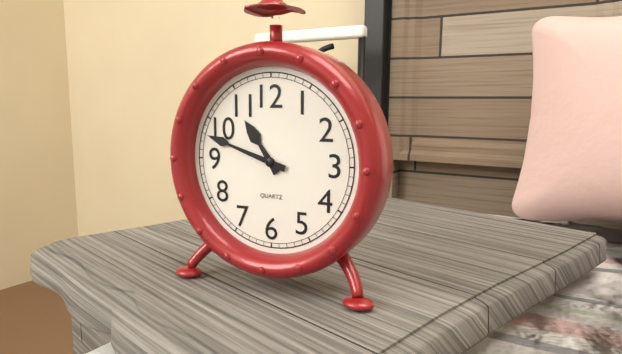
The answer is 10.48
